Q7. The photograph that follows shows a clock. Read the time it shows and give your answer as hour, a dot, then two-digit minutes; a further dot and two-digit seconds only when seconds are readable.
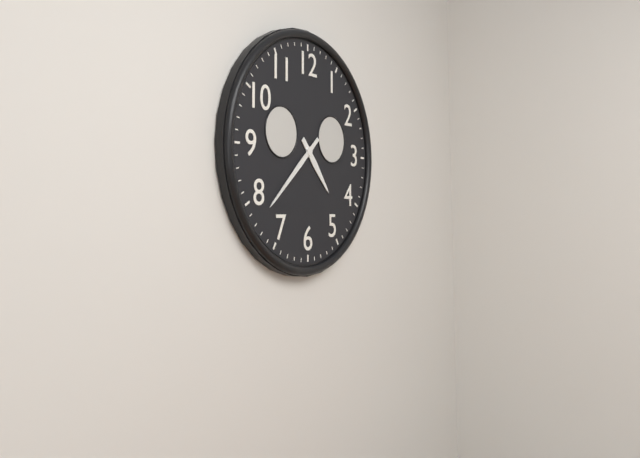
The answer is 4.38
